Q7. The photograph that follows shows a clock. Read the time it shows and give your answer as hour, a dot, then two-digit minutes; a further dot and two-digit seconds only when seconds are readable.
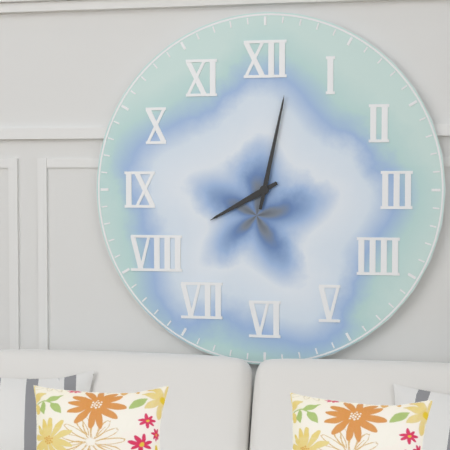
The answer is 8.02
